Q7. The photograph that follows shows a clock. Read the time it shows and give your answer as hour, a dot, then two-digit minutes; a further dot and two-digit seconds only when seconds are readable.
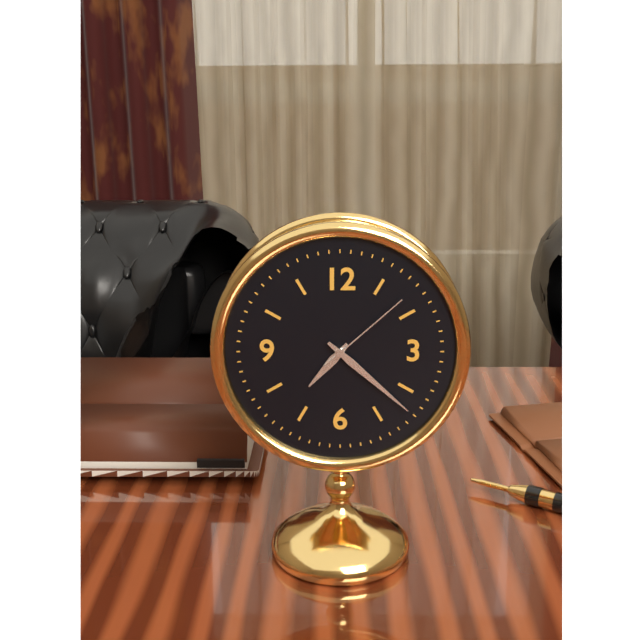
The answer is 7.22.08
